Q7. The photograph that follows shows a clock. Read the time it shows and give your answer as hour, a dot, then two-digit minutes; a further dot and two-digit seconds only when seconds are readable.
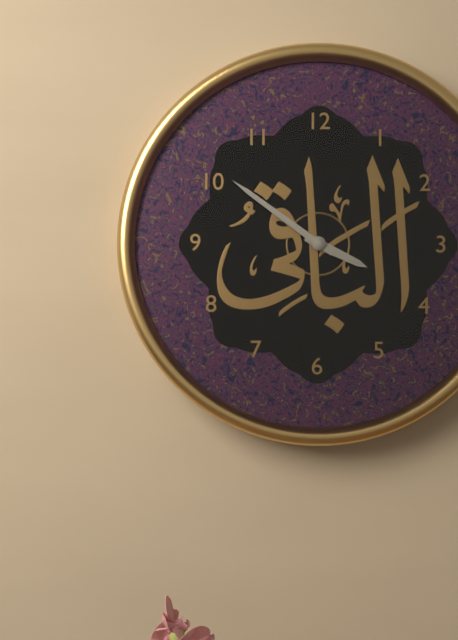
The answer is 3.51
